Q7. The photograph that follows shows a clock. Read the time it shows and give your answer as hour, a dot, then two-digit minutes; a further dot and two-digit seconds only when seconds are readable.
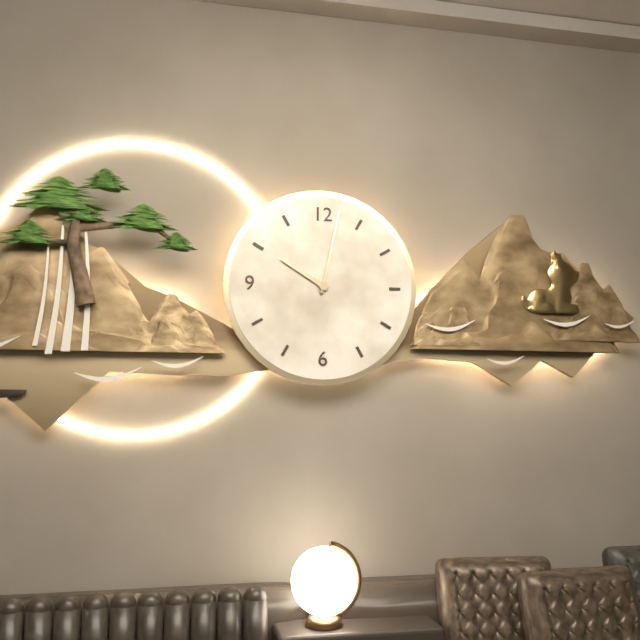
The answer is 10.02
